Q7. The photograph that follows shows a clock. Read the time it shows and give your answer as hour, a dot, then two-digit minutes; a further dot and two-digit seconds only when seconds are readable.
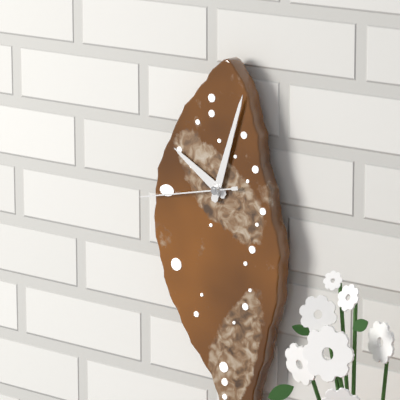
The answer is 10.03.43
